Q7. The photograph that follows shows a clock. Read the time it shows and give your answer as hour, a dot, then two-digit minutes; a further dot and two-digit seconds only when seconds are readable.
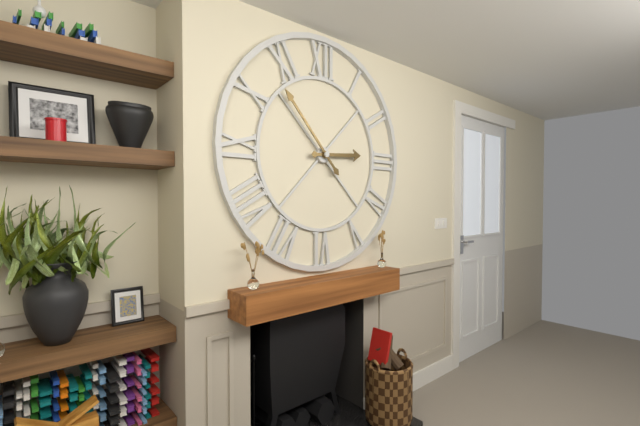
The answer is 2.53
